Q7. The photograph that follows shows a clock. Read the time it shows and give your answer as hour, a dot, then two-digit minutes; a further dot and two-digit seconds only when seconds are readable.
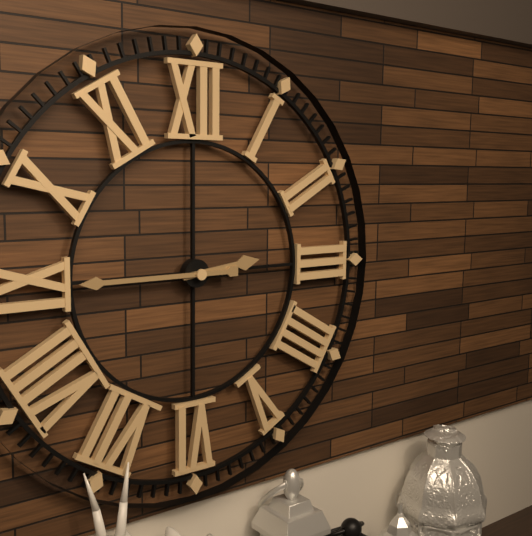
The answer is 2.45
